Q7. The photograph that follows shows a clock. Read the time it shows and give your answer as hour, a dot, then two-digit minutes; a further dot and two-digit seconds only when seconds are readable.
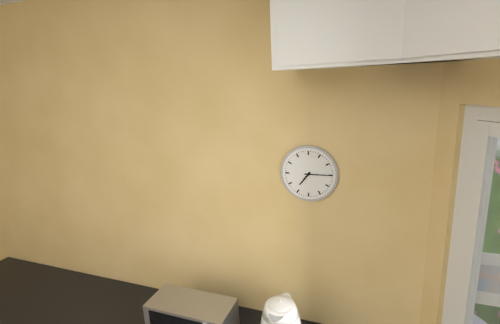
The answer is 7.15
